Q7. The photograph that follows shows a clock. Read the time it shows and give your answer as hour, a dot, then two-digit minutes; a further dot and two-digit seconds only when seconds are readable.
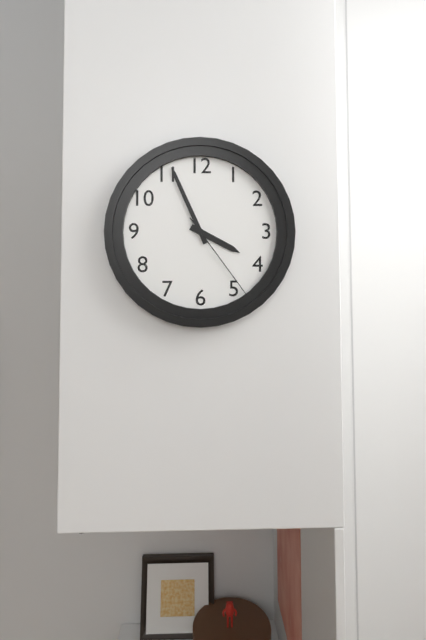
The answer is 3.56.24
